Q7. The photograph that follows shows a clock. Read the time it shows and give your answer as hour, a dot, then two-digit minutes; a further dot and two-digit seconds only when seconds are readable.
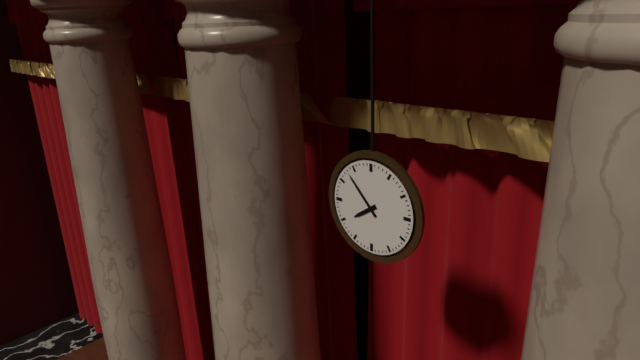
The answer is 7.53
